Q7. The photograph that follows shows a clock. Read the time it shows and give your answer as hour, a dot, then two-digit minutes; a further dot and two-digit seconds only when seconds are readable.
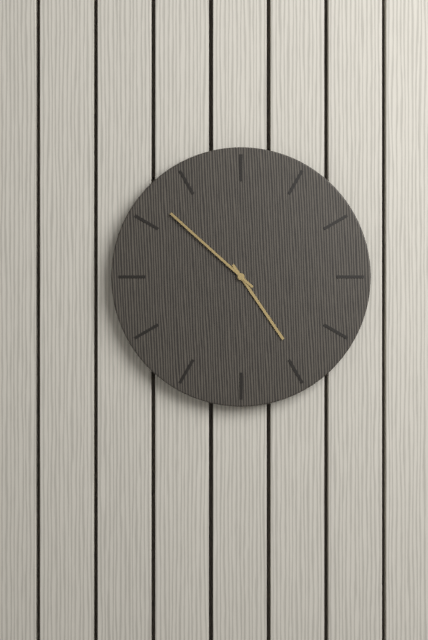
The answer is 4.52
